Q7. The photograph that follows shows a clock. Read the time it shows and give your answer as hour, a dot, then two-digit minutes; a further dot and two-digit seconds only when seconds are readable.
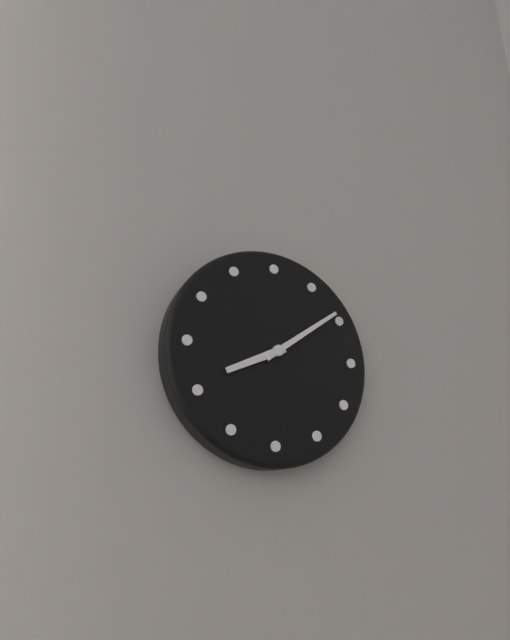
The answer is 8.09
